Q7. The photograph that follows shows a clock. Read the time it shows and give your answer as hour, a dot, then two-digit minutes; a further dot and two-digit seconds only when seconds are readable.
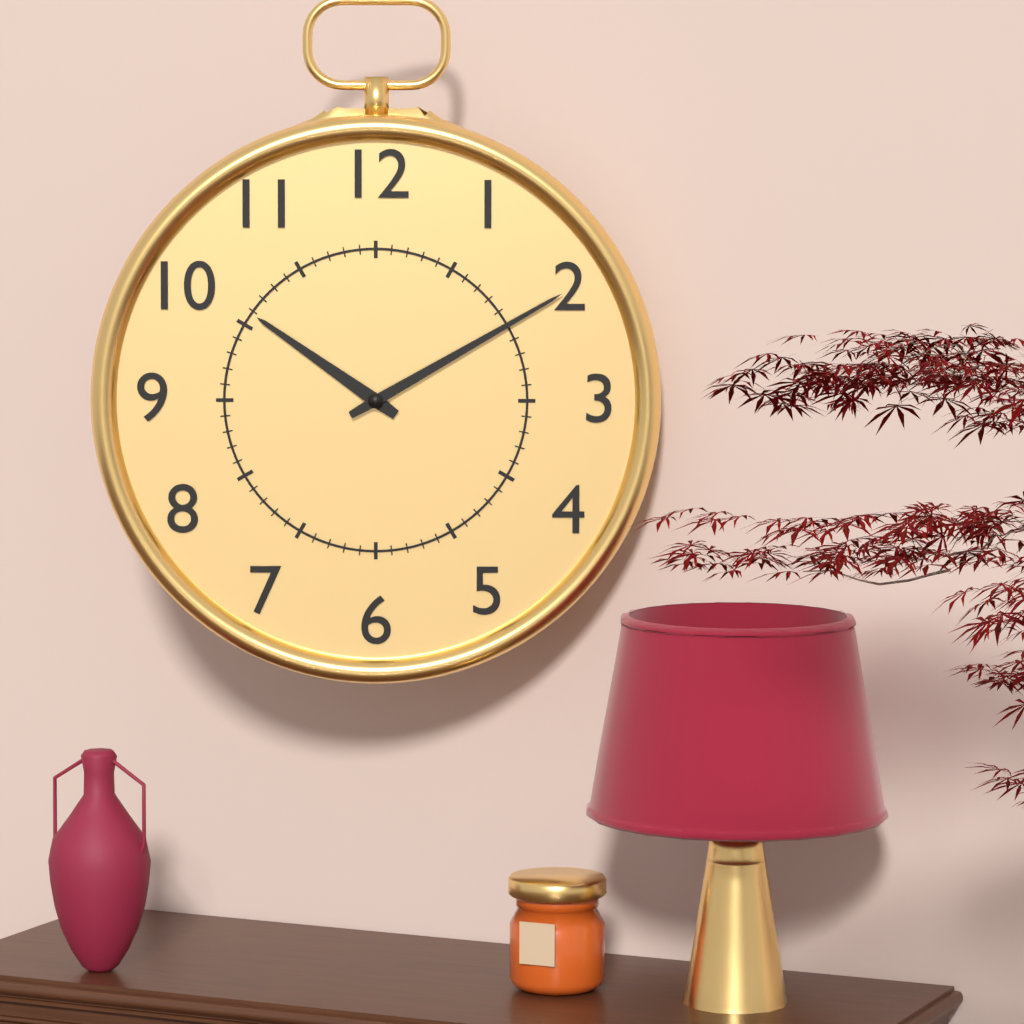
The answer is 10.10
